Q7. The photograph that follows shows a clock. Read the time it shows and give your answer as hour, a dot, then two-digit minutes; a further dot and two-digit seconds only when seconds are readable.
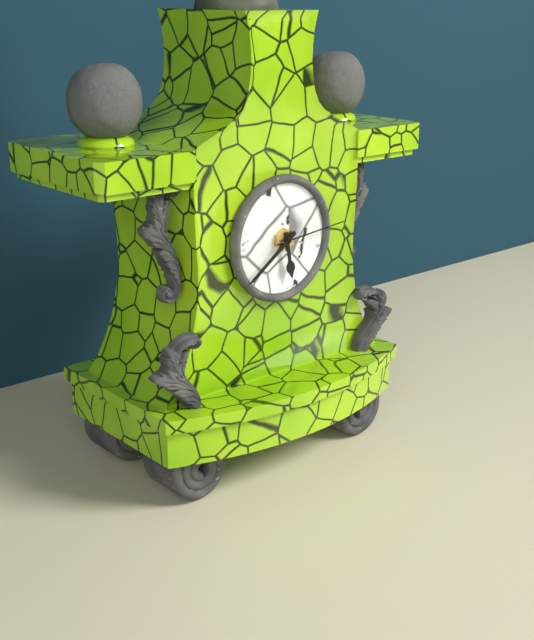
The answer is 5.39.14
